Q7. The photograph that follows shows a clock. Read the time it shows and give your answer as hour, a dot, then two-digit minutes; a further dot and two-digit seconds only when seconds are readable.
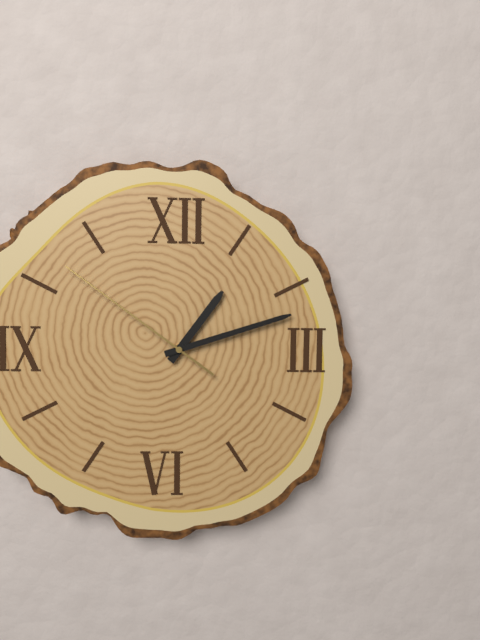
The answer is 1.12.51
